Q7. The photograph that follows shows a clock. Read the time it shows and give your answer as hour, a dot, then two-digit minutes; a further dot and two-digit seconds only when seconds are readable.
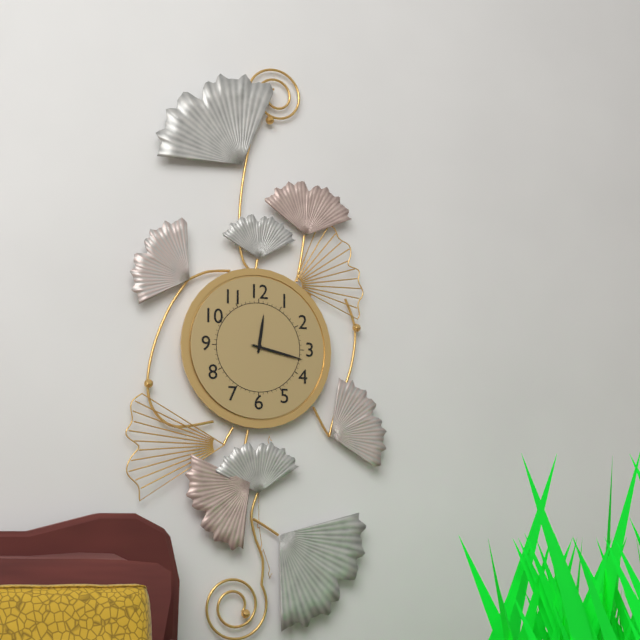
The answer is 12.17
